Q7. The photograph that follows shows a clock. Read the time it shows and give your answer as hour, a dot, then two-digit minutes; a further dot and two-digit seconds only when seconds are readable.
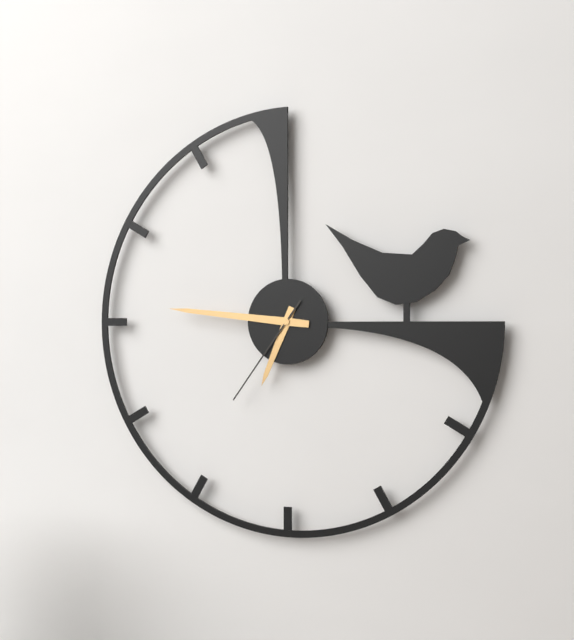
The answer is 6.46.36
